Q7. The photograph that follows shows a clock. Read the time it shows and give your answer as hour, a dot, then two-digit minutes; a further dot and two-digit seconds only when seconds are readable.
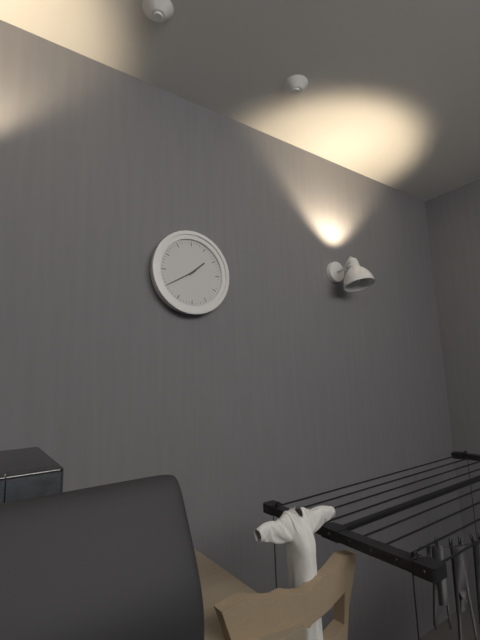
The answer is 1.40
